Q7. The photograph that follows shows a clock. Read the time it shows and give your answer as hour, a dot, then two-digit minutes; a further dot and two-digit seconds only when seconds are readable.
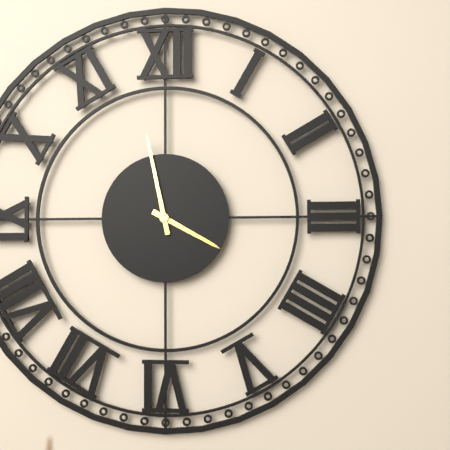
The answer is 3.58
